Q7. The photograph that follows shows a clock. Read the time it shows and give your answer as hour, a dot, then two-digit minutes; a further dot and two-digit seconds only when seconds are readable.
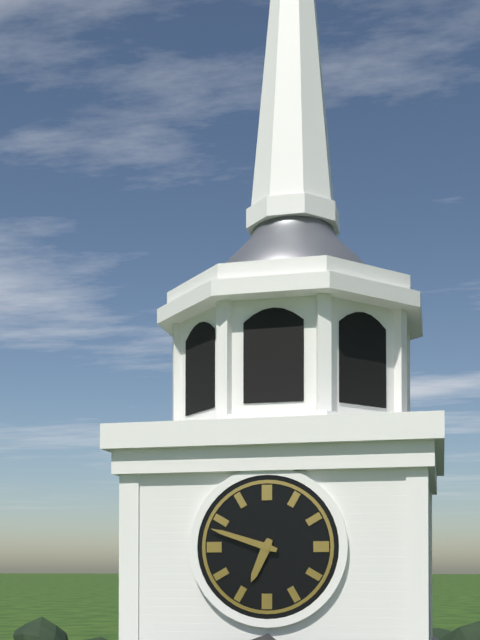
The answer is 6.48
